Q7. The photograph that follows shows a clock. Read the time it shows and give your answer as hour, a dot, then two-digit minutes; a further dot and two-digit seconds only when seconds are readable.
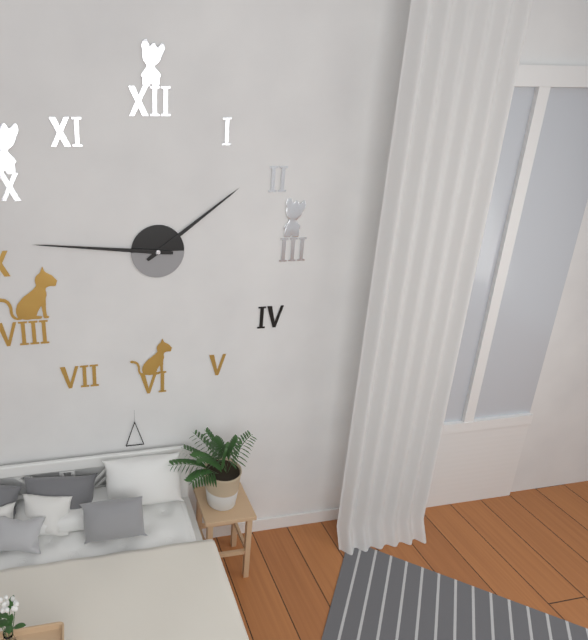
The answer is 1.46
